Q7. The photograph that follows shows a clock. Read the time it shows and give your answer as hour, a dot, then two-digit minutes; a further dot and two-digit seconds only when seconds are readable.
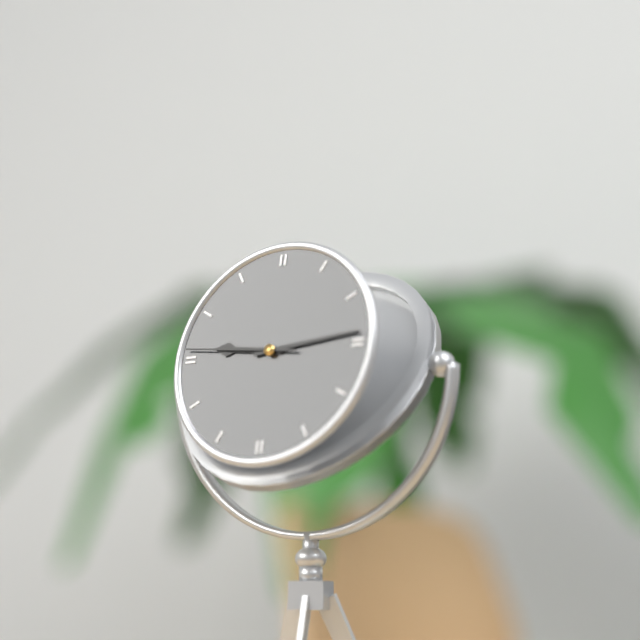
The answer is 9.14.46
